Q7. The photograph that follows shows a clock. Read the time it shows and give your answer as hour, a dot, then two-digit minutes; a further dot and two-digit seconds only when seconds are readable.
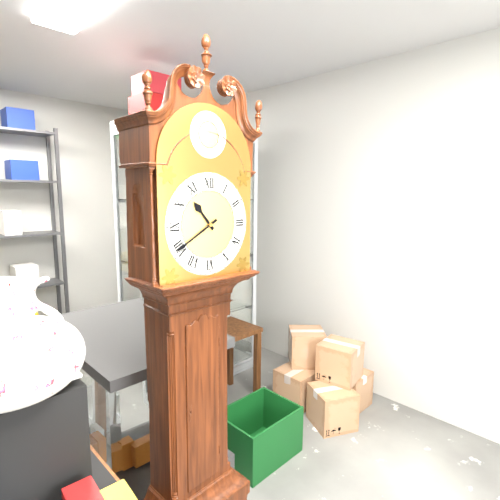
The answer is 10.40
